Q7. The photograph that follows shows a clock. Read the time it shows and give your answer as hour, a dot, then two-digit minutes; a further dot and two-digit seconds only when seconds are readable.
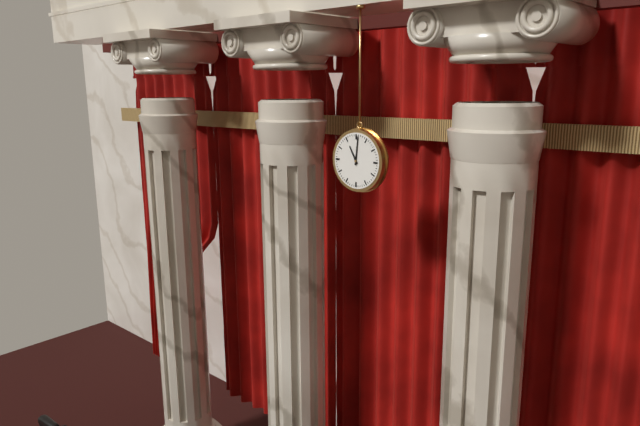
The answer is 11.01
